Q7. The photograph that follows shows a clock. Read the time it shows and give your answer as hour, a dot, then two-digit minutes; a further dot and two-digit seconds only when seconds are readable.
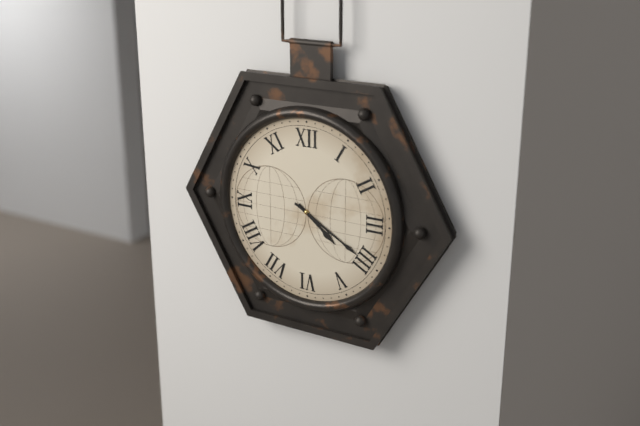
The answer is 4.20
